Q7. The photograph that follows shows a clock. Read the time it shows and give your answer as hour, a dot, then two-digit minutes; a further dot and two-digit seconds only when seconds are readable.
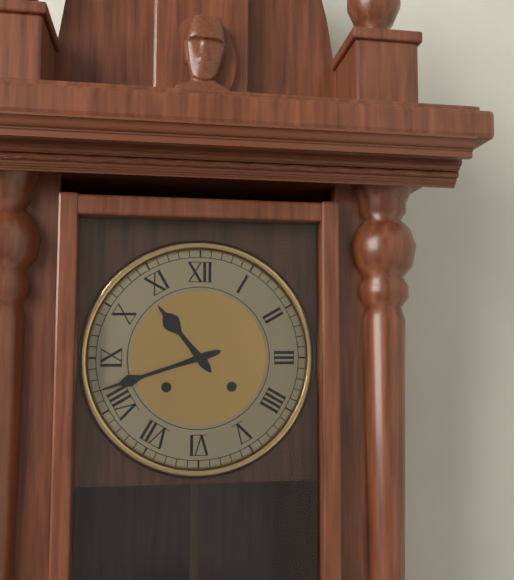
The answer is 10.42
